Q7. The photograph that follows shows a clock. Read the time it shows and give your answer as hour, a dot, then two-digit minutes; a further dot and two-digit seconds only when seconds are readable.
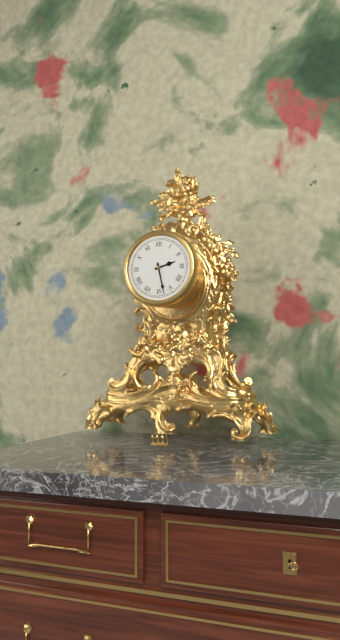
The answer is 2.28
